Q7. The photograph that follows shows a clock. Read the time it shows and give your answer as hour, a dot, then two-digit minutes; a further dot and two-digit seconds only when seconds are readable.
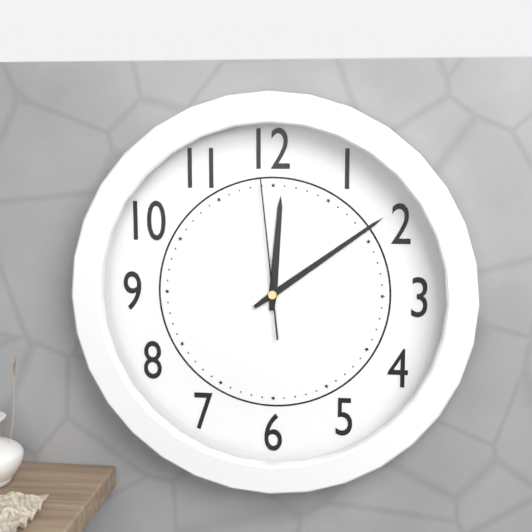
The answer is 12.09.59
